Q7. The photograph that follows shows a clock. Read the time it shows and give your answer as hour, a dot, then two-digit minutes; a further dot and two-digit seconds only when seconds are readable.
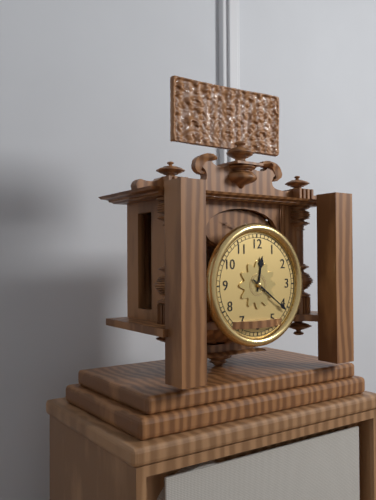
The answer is 12.21
